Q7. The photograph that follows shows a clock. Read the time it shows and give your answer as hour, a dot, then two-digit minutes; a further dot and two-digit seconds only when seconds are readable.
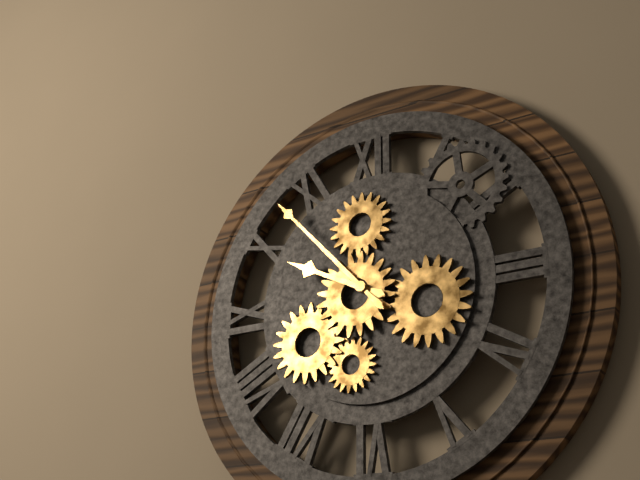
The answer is 9.53
